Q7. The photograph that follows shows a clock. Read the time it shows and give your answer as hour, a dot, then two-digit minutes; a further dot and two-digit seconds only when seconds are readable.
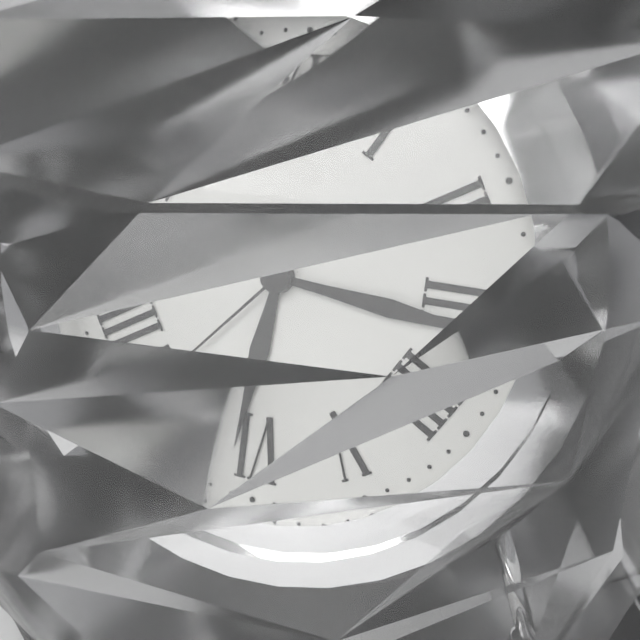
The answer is 6.16.37
